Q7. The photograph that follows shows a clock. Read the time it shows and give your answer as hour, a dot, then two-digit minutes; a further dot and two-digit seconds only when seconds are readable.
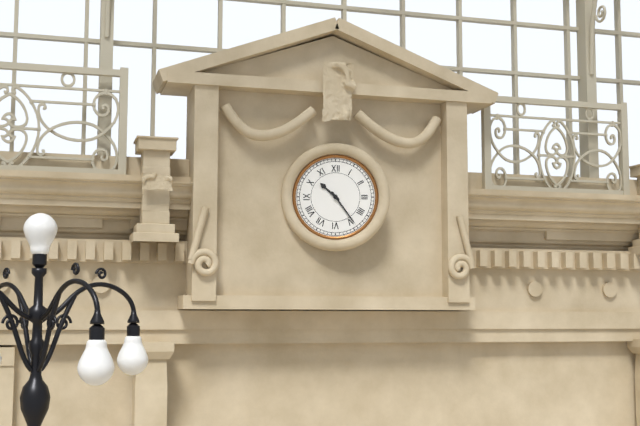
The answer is 10.24
